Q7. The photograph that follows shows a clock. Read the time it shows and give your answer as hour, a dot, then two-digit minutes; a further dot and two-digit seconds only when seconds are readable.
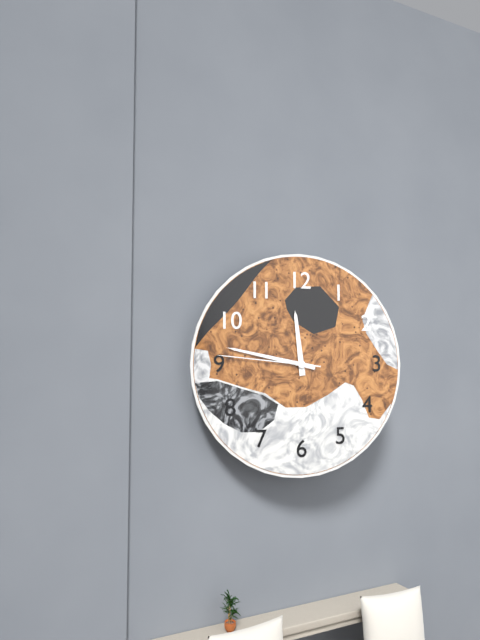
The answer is 11.47.46
